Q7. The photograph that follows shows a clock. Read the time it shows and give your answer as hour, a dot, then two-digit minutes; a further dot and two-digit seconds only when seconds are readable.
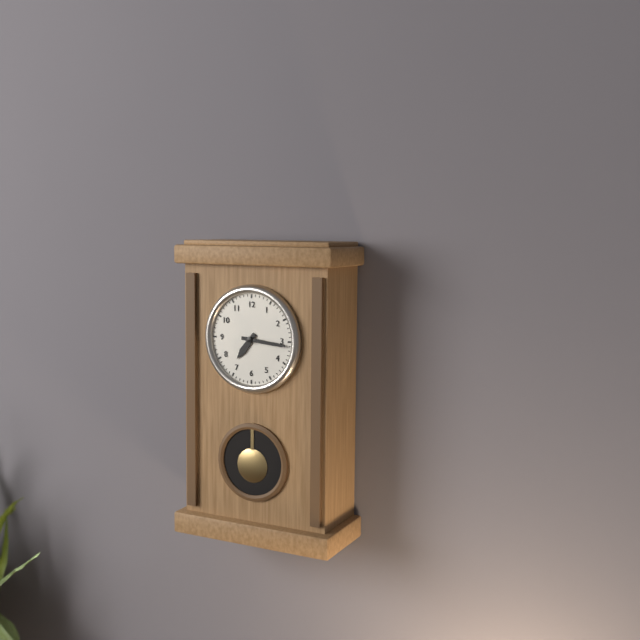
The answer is 7.16
